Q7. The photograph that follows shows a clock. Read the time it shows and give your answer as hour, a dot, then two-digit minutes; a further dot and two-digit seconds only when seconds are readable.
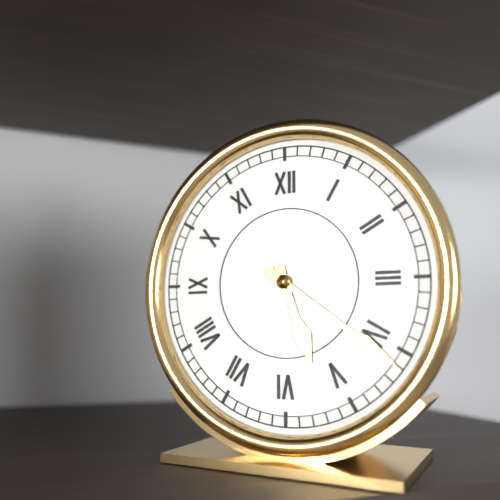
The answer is 5.21
